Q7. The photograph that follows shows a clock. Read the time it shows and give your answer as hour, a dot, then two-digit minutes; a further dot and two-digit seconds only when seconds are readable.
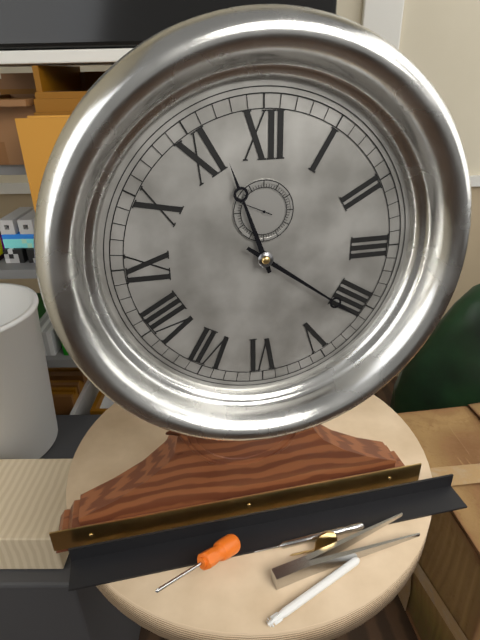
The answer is 11.21
